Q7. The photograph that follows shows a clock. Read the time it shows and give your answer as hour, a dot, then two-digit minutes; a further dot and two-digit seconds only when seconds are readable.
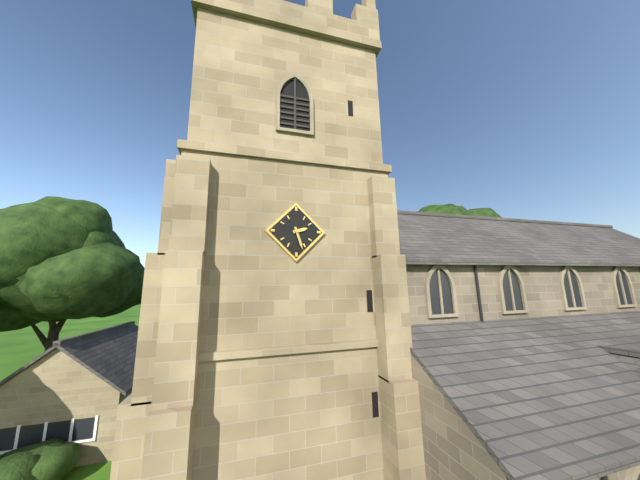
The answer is 2.27
